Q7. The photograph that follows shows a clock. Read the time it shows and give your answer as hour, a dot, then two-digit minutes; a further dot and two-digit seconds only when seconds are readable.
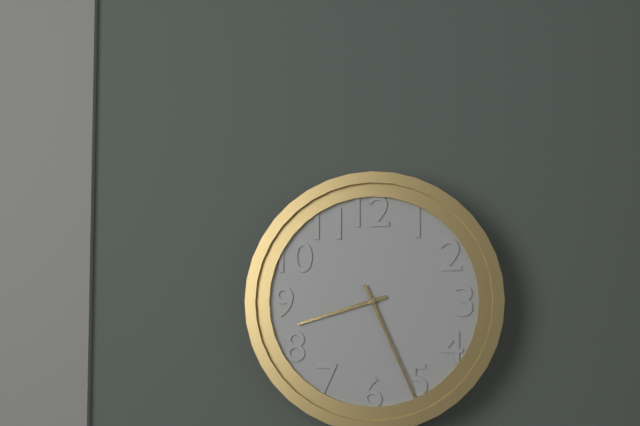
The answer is 8.26
